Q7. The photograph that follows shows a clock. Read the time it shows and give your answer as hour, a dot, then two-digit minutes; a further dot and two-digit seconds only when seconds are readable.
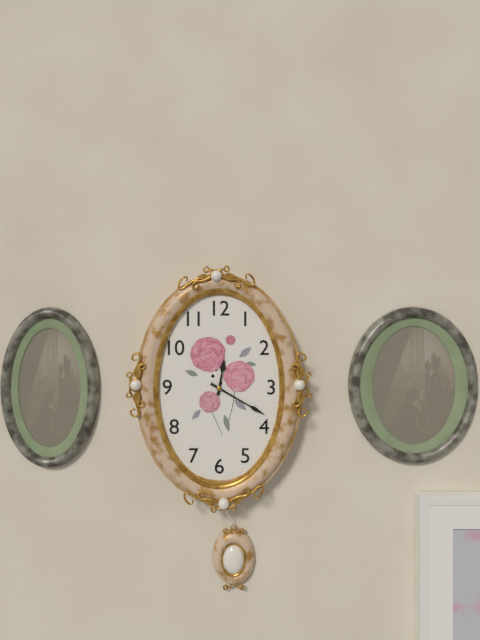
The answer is 12.20
